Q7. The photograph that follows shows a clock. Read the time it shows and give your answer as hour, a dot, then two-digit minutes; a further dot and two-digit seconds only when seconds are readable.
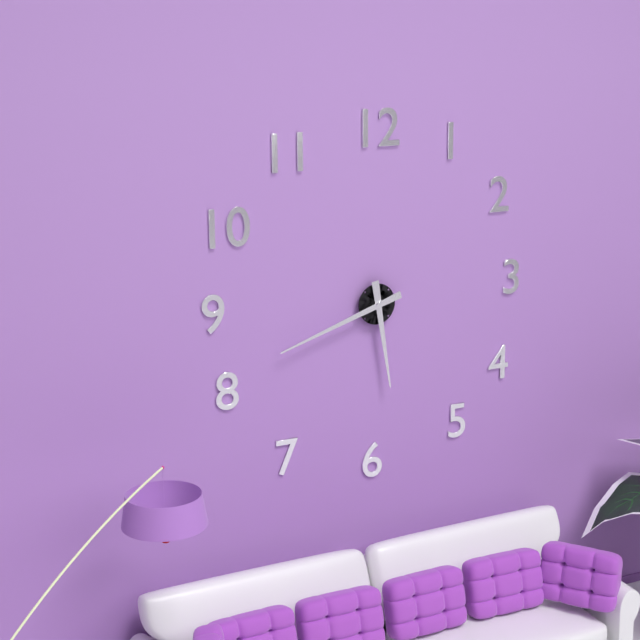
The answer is 5.42
